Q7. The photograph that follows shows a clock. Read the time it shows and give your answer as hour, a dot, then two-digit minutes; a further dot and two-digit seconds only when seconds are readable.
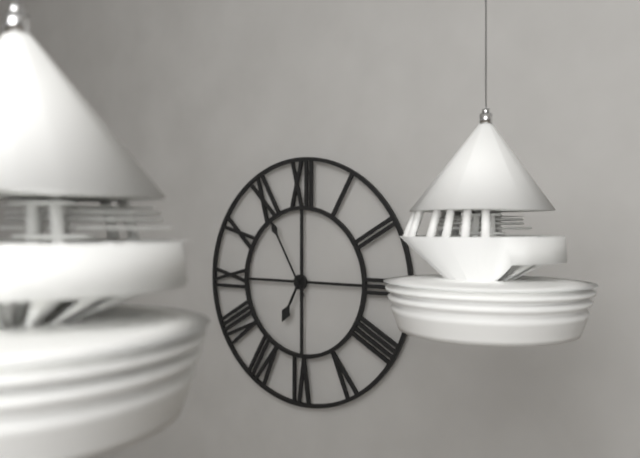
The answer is 6.55
